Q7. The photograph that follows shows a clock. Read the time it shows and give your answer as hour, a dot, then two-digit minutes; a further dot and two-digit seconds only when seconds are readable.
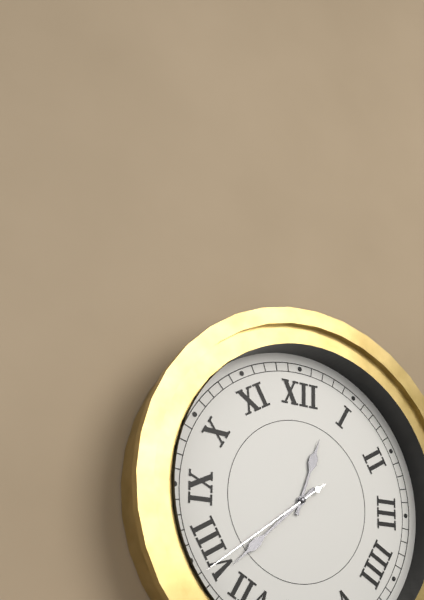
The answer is 12.38.39
